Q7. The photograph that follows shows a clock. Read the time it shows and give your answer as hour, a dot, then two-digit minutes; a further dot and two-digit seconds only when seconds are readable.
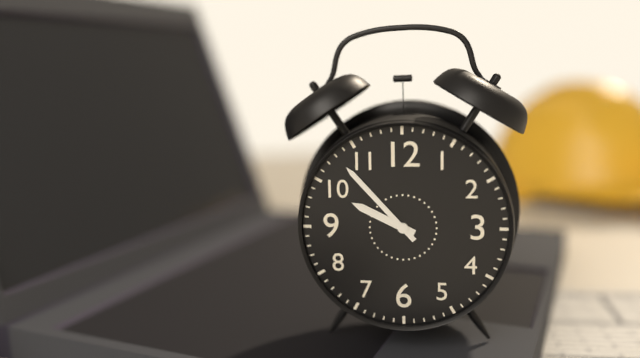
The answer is 9.53
